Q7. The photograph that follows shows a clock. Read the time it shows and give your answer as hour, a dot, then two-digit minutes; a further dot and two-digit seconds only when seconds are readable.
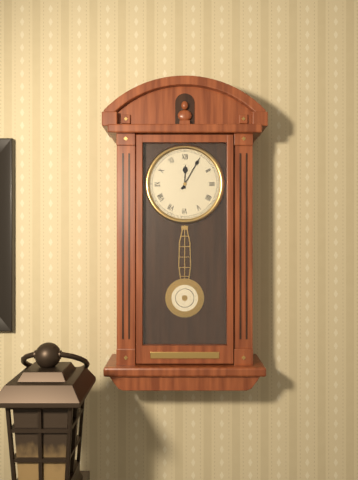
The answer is 12.05
